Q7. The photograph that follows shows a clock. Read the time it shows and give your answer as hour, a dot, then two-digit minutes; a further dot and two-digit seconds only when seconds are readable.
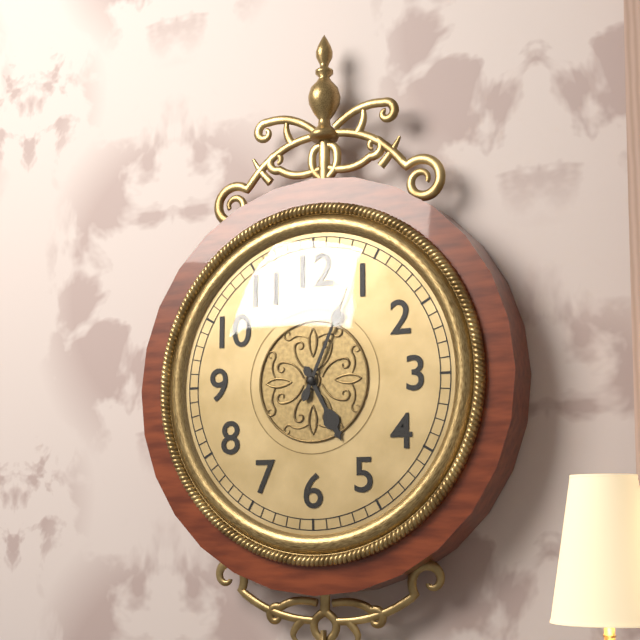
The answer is 5.04
